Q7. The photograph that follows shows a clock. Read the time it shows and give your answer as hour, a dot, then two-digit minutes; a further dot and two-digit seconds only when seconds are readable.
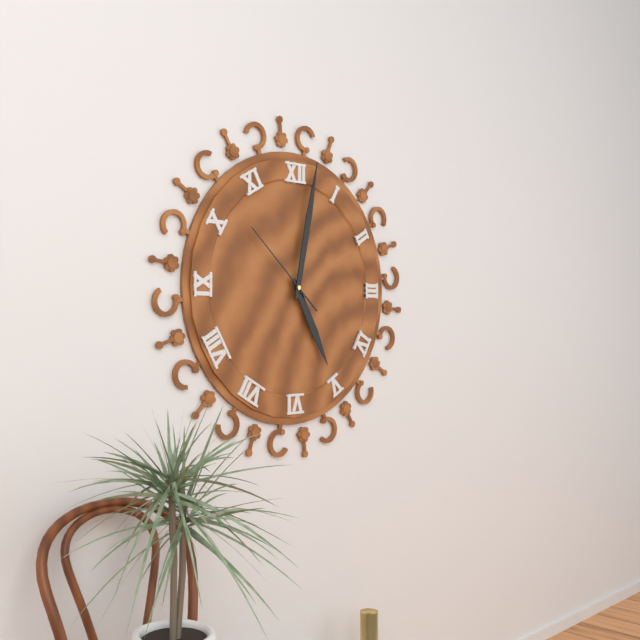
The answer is 5.02.52
